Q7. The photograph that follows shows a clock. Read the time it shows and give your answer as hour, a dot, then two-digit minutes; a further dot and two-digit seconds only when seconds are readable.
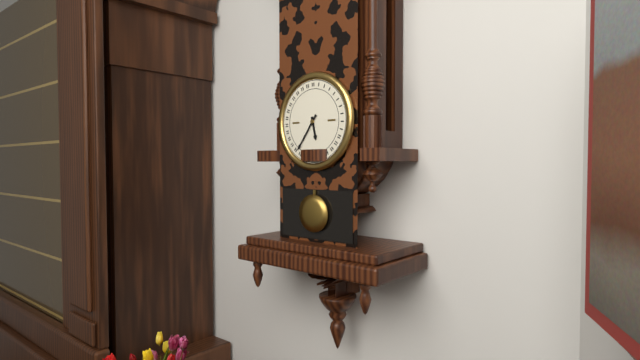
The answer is 5.36
